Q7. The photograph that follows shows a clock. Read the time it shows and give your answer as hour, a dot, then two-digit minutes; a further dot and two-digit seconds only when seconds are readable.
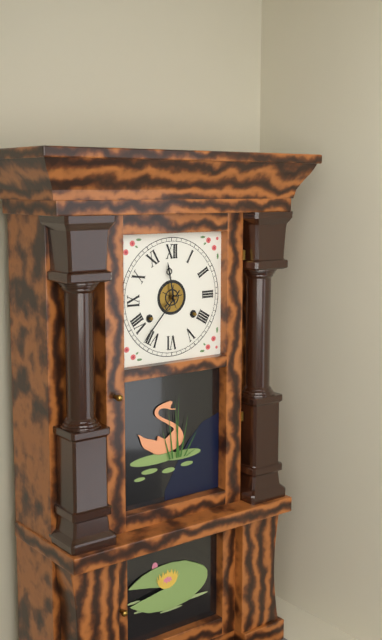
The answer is 11.37
